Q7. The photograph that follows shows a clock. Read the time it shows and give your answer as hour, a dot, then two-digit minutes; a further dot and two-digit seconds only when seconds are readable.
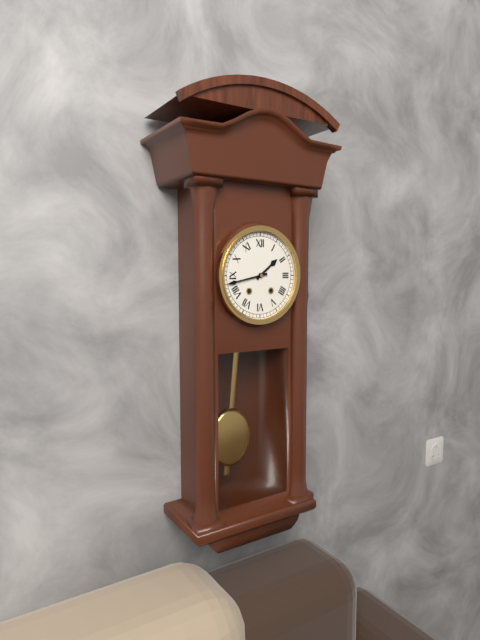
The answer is 1.43
